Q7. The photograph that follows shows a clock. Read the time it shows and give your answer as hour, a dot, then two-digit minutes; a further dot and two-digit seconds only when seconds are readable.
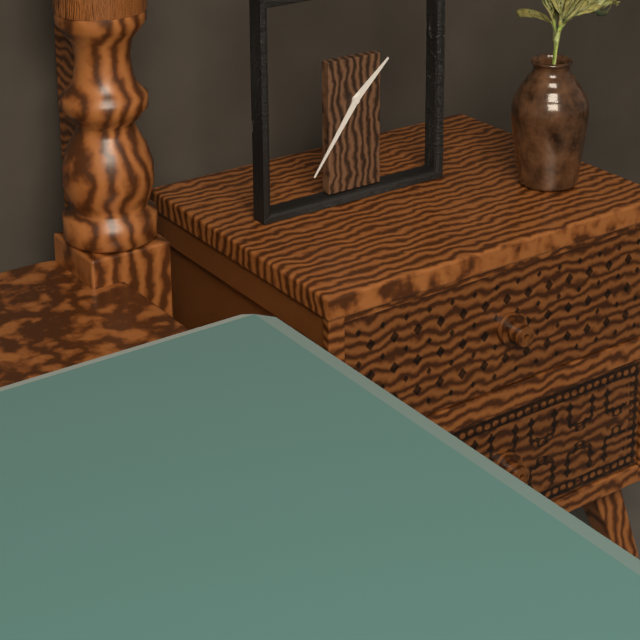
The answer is 1.36
